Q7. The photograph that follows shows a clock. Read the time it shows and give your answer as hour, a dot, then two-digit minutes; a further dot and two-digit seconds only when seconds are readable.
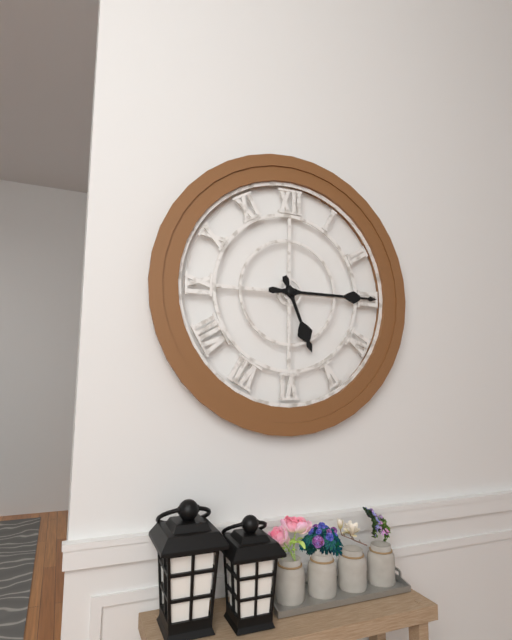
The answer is 5.15
